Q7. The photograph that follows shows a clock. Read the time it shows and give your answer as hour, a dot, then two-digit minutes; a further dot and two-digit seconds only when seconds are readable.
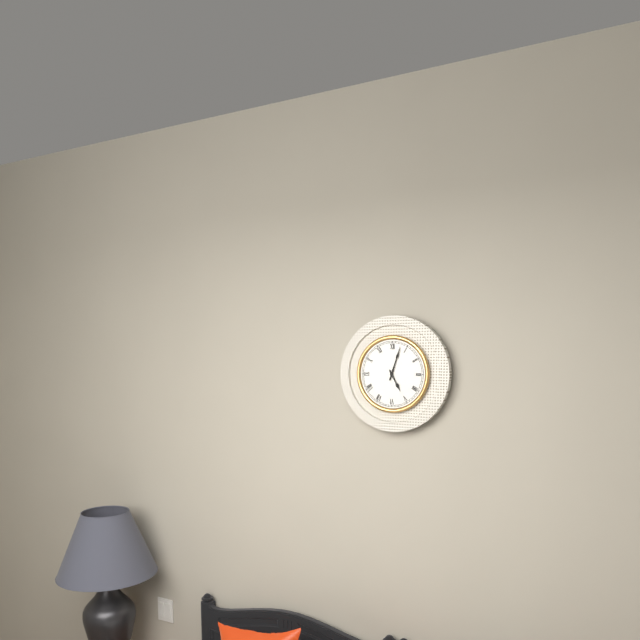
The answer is 5.03
